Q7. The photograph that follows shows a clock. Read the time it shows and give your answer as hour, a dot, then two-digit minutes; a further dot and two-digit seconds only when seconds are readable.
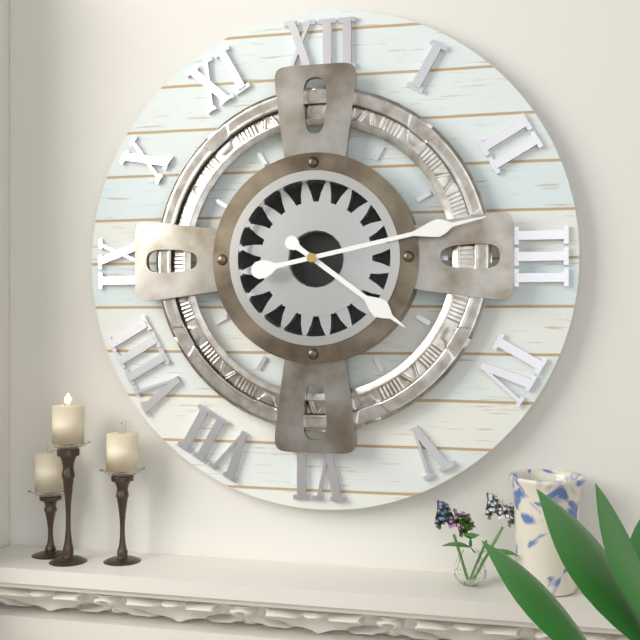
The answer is 4.13
